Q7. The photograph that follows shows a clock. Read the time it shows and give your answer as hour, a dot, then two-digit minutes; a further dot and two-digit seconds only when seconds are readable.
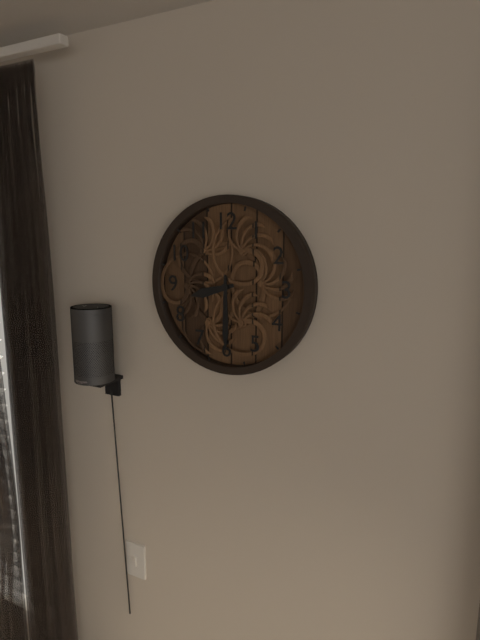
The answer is 8.30
